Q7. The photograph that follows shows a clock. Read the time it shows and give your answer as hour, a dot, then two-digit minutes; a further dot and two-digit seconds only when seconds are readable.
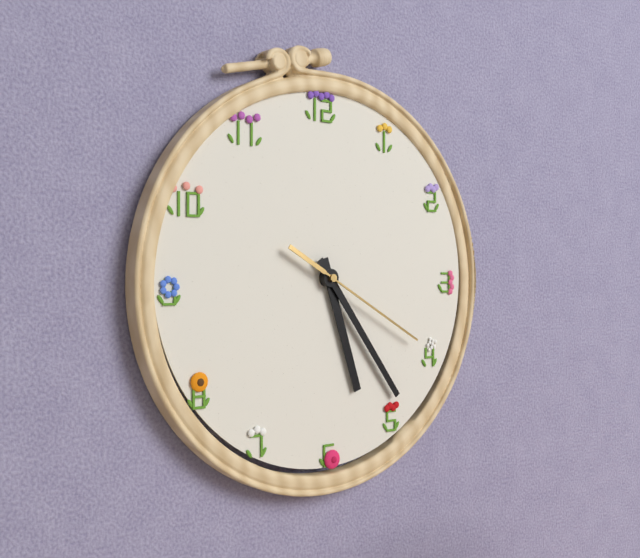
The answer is 5.24.20
